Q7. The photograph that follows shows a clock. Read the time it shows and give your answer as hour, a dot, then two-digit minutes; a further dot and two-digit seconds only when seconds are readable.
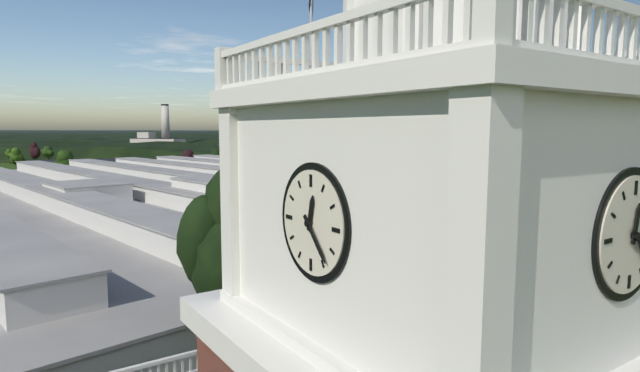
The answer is 12.23
